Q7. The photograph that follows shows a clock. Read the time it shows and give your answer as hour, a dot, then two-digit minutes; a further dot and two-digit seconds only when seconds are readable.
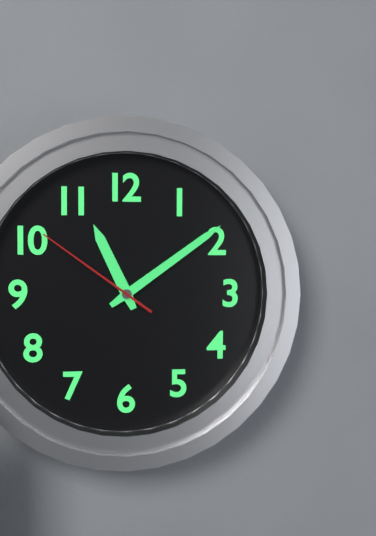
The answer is 11.09.51
